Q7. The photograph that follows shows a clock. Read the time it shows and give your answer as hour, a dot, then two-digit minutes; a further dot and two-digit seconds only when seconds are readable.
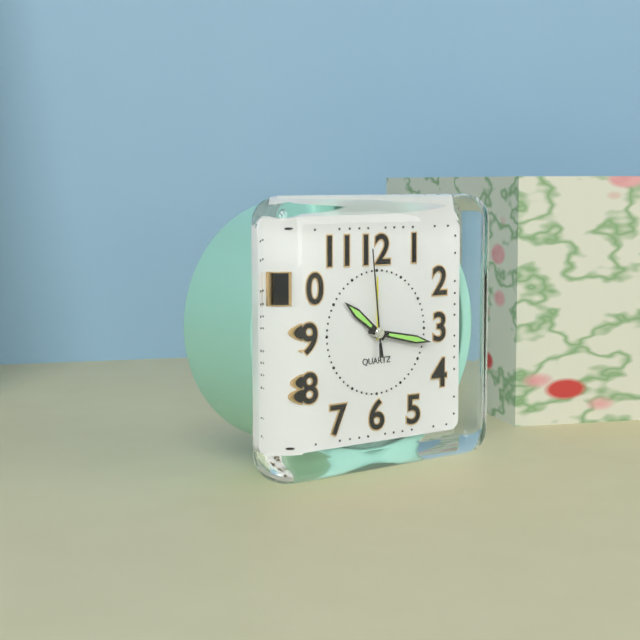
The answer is 10.17.59
